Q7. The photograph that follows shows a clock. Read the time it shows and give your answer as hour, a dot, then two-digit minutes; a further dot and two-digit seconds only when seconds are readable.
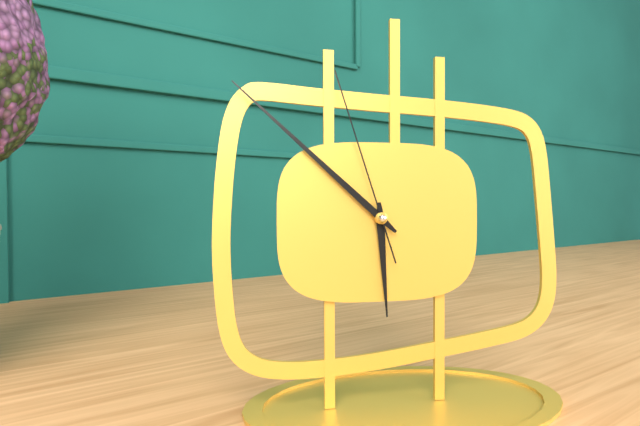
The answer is 5.52.57
